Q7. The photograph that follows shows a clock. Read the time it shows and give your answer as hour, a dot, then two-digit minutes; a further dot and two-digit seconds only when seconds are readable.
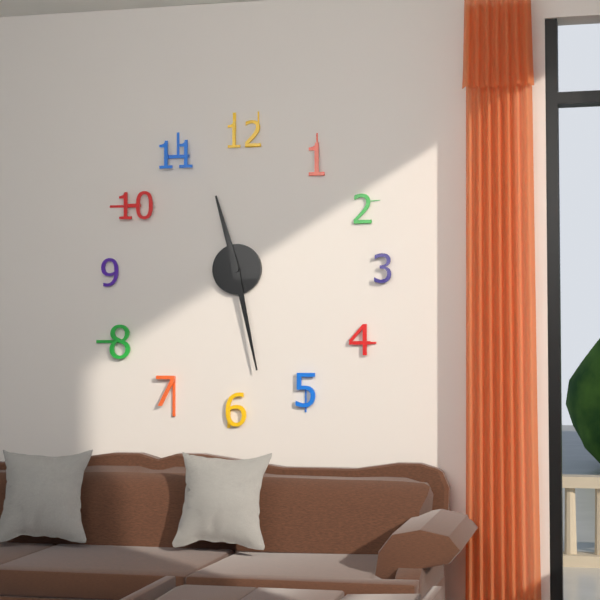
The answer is 11.28
